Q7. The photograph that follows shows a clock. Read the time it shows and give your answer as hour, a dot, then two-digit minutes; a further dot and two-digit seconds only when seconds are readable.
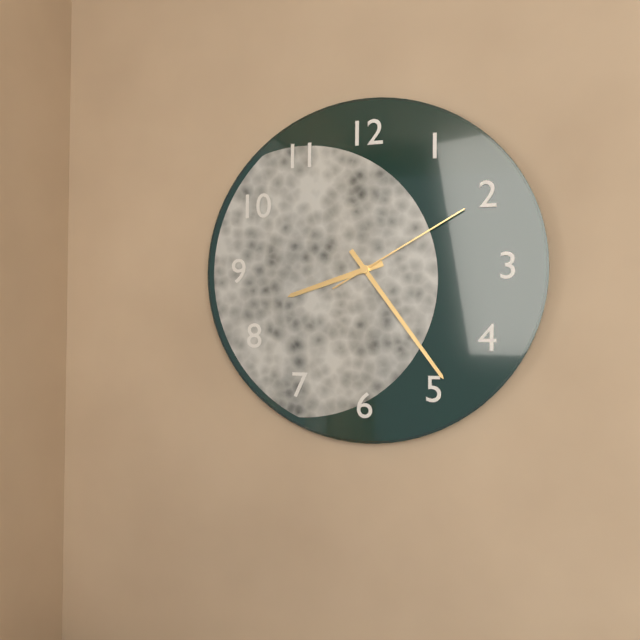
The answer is 8.24.10
